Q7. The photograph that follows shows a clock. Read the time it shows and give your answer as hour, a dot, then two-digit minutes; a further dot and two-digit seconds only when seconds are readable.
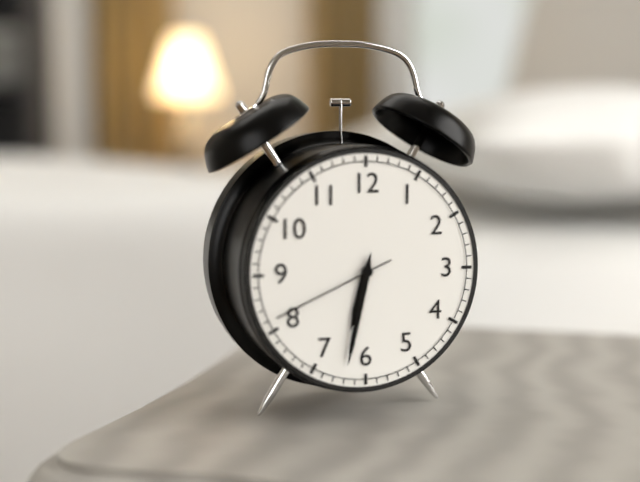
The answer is 6.32.41
